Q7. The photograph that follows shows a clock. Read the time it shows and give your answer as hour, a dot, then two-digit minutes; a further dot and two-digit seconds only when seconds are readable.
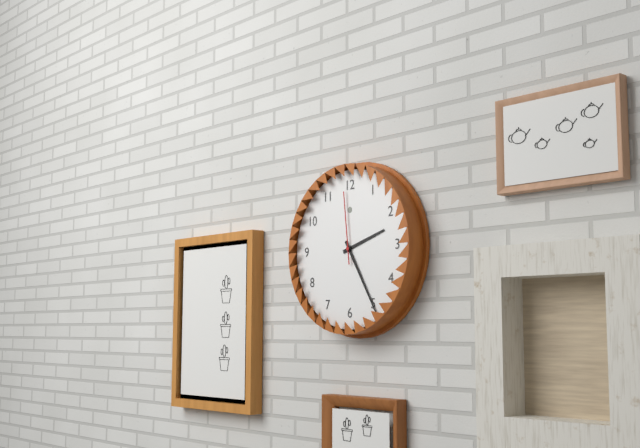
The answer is 2.25.59
